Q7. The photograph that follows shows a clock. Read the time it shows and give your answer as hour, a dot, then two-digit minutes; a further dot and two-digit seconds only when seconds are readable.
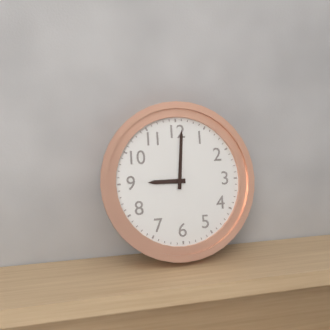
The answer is 9.01
